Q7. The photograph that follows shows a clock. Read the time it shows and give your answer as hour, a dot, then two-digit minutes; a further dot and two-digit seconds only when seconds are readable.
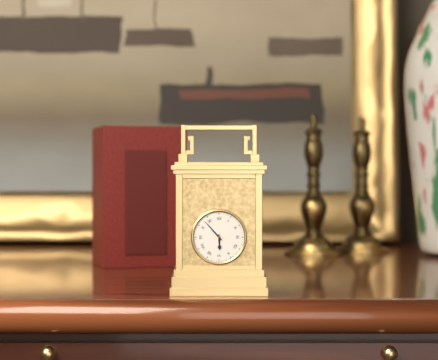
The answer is 5.53
